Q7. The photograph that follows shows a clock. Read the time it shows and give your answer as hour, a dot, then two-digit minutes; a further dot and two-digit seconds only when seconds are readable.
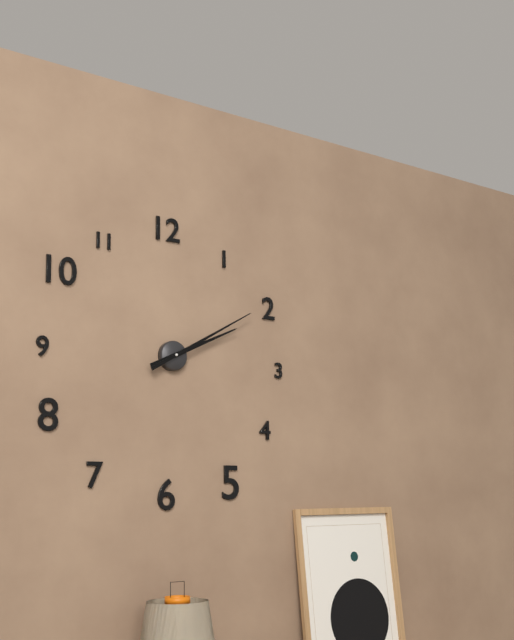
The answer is 2.10
